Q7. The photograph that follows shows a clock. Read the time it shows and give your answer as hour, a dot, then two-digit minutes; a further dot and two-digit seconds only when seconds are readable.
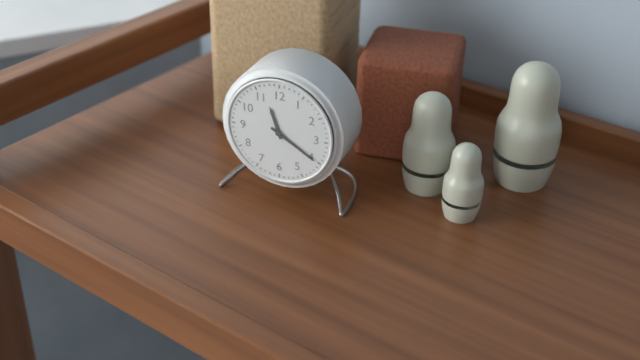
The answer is 11.20
